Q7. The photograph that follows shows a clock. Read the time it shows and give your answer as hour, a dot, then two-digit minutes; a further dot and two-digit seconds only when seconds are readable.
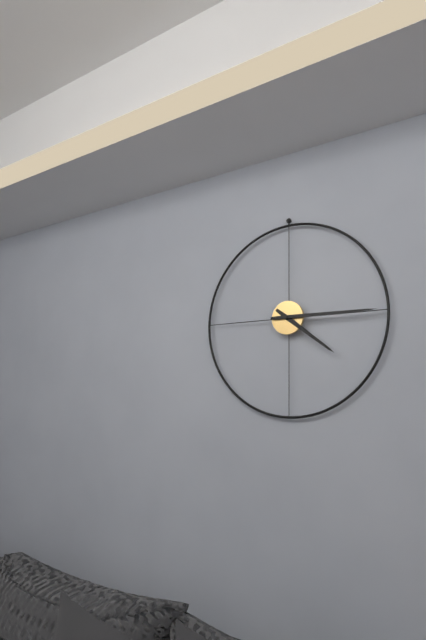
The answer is 4.15
